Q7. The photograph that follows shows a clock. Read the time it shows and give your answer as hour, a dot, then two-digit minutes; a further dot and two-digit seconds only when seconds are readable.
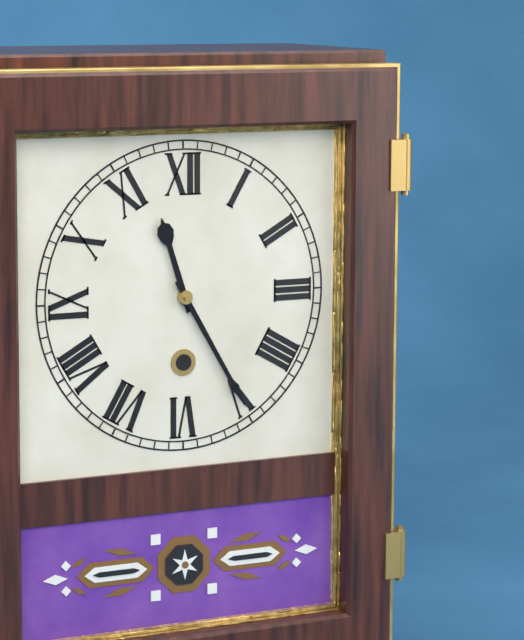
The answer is 11.25
